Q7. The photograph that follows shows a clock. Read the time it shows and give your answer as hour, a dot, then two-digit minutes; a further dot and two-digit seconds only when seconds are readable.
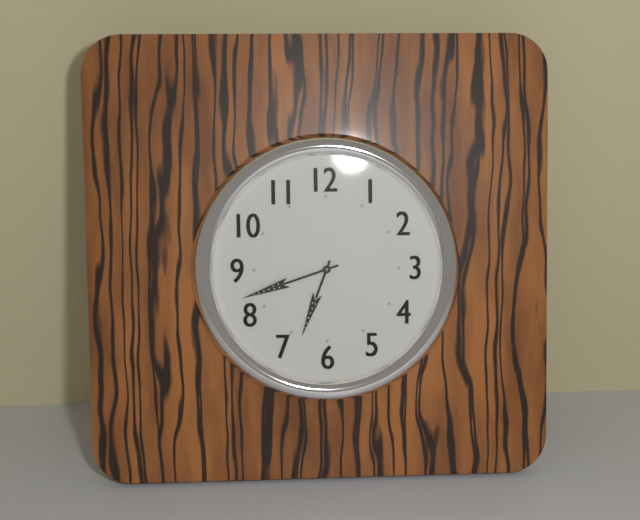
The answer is 6.42
